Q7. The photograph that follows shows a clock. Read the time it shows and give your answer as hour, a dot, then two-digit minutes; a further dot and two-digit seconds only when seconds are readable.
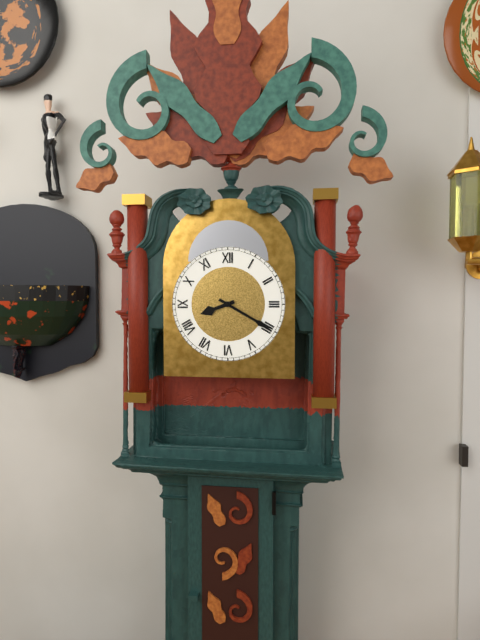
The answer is 8.20
